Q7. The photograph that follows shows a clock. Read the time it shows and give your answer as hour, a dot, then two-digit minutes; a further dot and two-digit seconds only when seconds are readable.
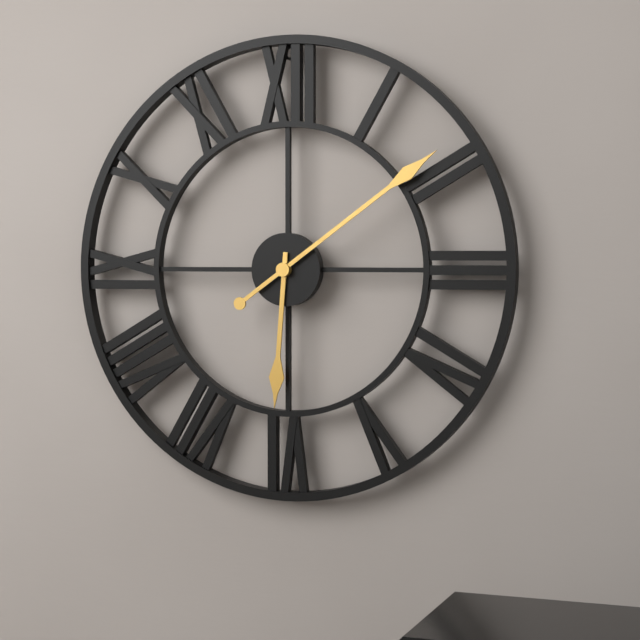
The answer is 6.09
